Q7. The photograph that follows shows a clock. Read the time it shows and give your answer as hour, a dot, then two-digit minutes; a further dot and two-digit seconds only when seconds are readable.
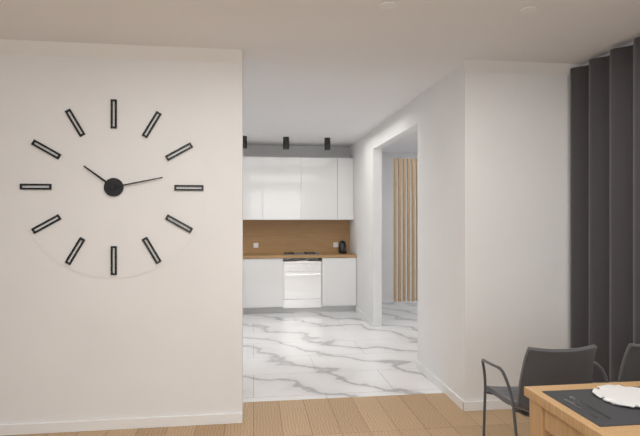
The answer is 10.13
